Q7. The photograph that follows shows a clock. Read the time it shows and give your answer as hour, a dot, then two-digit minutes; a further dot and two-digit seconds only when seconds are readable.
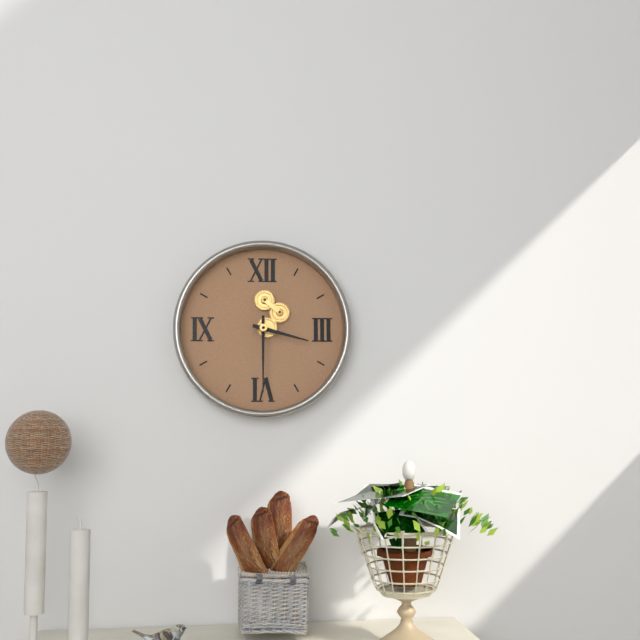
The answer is 3.30
